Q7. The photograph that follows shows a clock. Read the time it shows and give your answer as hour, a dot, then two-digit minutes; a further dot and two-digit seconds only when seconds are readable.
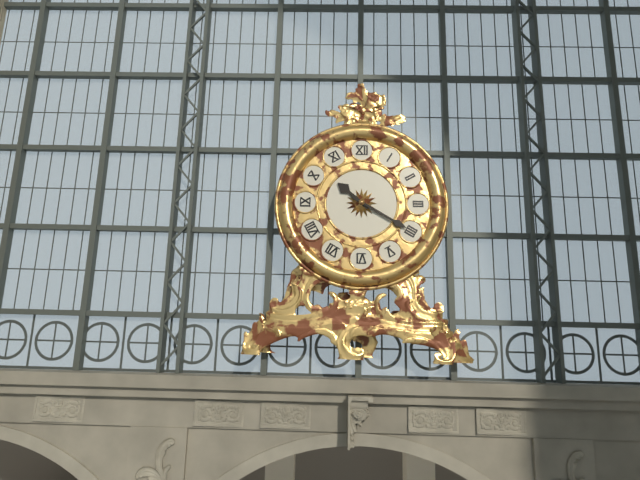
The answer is 10.20
